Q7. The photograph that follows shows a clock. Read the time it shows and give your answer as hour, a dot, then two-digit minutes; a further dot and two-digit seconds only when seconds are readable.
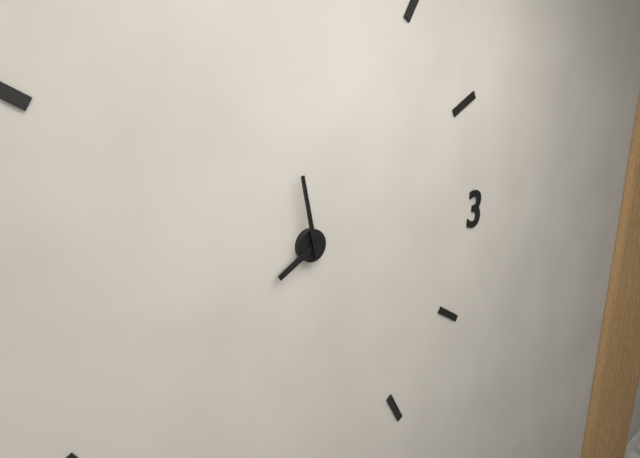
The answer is 7.58
